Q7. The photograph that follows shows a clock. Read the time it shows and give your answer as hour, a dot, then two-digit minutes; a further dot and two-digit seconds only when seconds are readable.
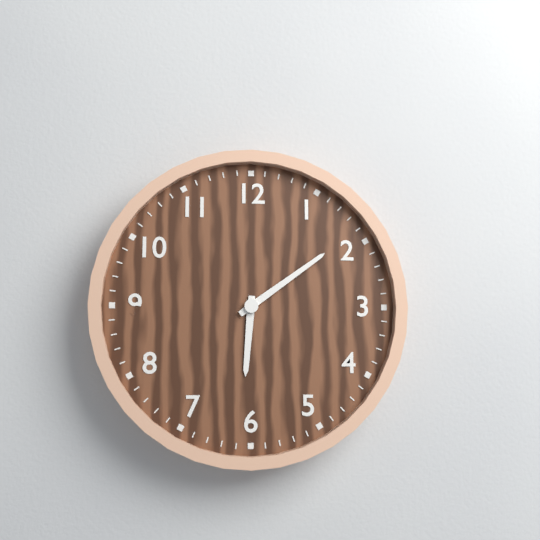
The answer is 6.09
